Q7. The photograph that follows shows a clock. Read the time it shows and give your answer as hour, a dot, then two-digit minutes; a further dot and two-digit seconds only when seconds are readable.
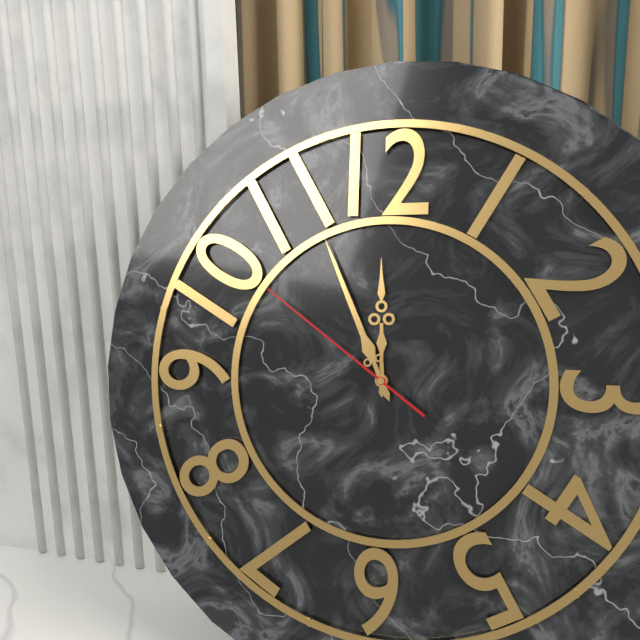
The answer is 11.56.51
